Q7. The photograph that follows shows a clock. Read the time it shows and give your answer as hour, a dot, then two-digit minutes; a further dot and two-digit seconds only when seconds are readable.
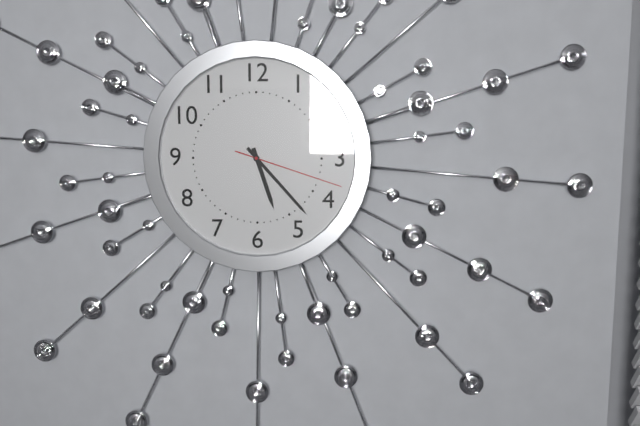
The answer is 5.23.18
